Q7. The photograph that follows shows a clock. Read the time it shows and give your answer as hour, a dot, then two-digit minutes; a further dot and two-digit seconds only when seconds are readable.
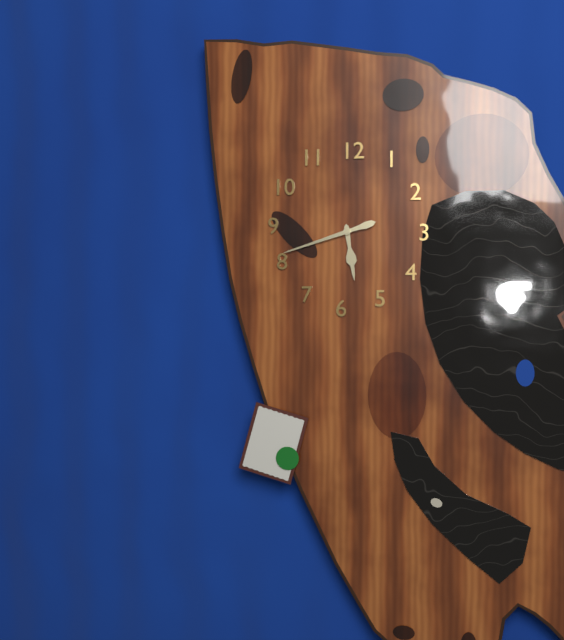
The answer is 5.42
